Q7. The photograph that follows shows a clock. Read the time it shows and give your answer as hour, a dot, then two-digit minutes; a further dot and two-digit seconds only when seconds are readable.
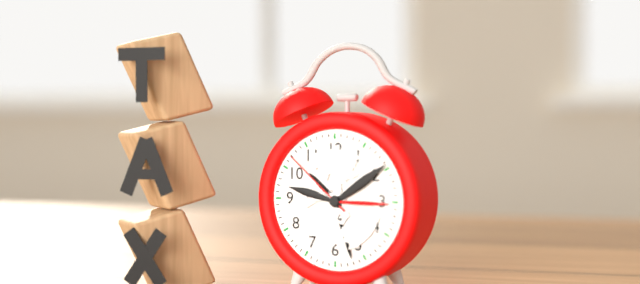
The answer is 10.27.52
